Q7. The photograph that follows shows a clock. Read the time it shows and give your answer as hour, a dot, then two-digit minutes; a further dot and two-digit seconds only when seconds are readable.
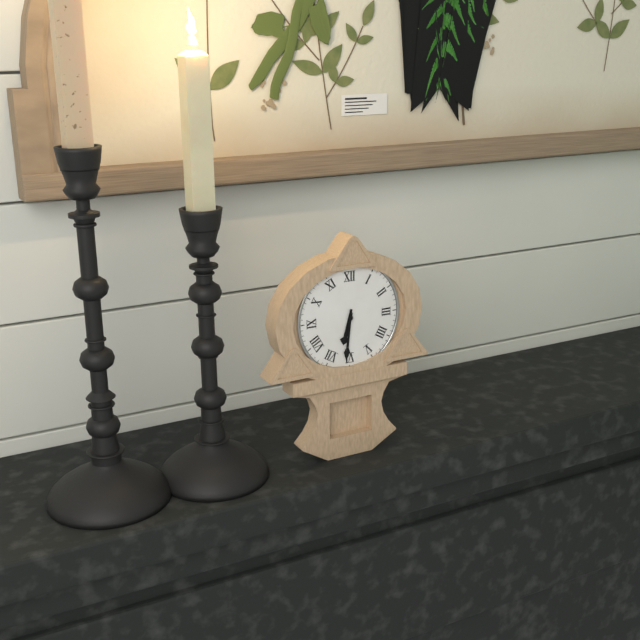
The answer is 6.31
